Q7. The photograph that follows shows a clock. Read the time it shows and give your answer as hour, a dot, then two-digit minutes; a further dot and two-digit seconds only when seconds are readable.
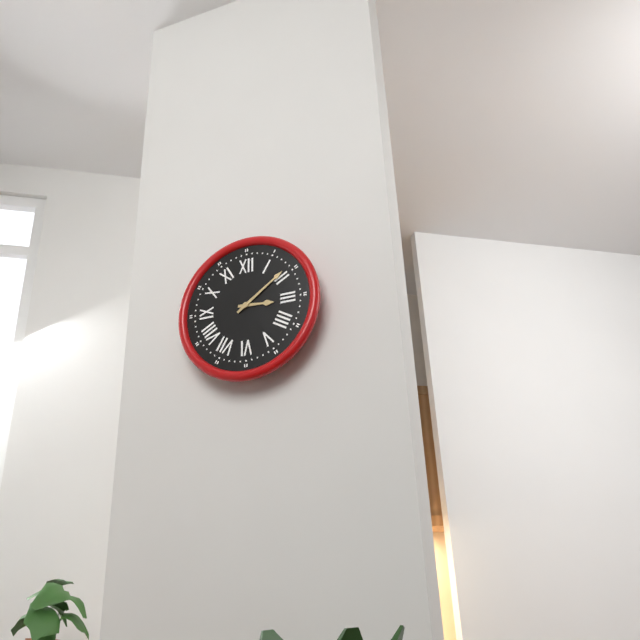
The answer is 3.09
